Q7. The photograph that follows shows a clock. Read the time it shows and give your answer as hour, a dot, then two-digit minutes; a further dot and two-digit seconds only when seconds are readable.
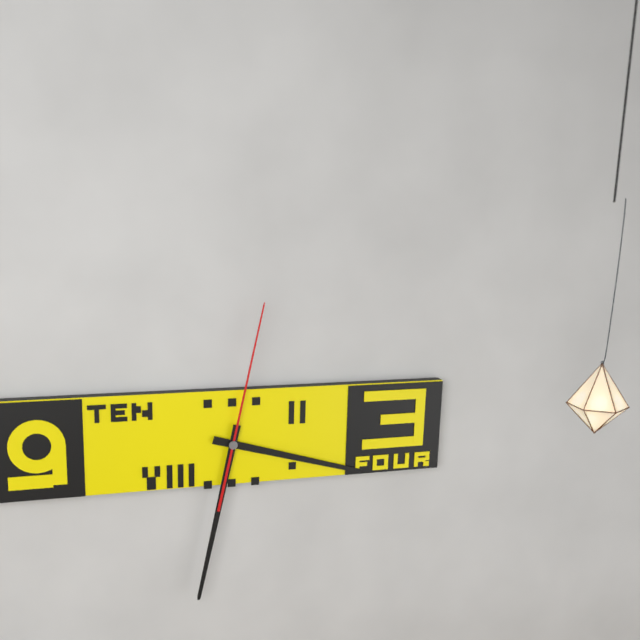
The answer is 3.32.02
